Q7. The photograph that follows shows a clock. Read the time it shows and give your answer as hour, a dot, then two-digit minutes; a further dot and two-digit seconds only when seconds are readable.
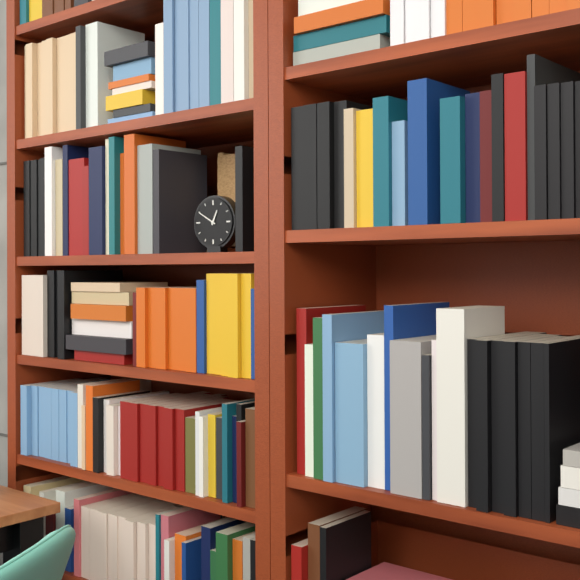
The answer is 12.50
